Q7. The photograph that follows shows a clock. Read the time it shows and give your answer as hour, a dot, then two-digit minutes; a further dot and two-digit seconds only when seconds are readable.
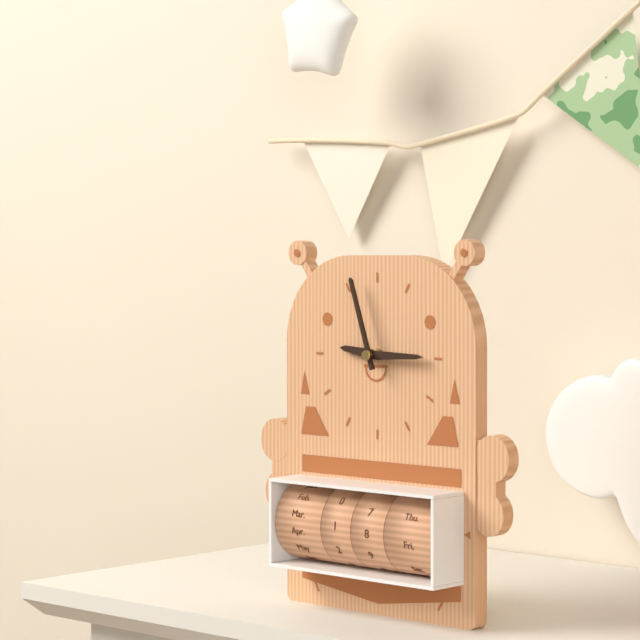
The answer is 9.15.57
